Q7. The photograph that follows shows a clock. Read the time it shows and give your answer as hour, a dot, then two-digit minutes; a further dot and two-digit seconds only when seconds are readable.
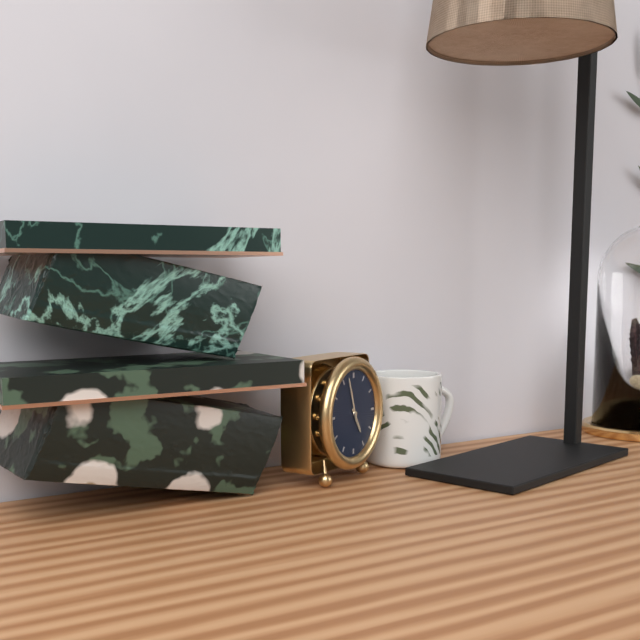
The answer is 4.57
